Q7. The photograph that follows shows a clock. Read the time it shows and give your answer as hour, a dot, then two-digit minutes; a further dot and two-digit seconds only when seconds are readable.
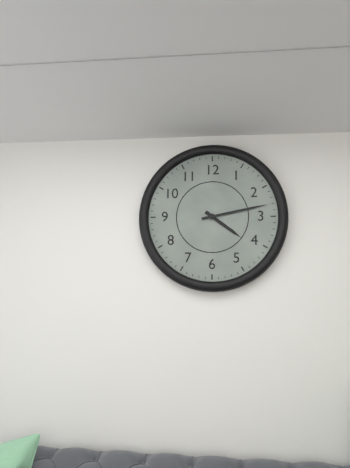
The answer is 4.13
